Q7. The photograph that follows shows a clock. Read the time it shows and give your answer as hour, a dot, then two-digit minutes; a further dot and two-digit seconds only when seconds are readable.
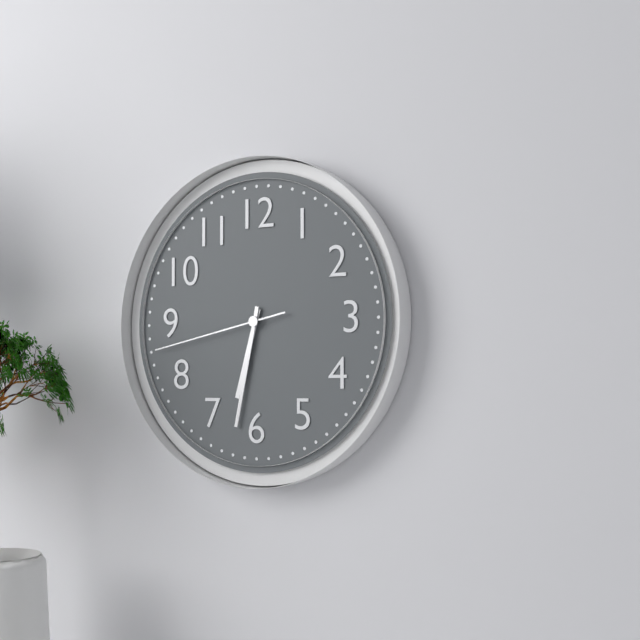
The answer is 6.32.43
